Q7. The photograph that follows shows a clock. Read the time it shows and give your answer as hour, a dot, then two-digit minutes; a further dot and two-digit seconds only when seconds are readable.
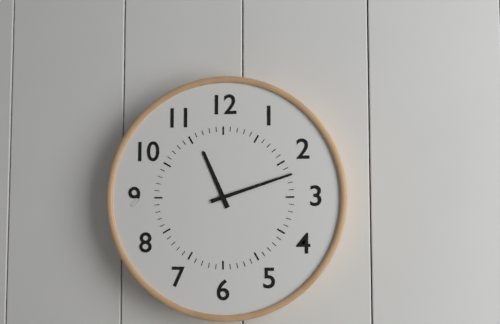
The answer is 11.12
